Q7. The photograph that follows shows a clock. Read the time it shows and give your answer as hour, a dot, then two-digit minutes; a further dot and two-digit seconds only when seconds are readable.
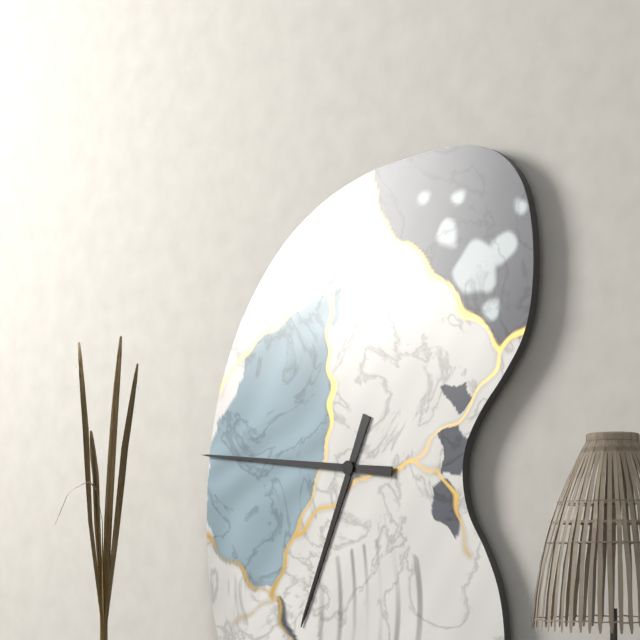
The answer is 6.46
